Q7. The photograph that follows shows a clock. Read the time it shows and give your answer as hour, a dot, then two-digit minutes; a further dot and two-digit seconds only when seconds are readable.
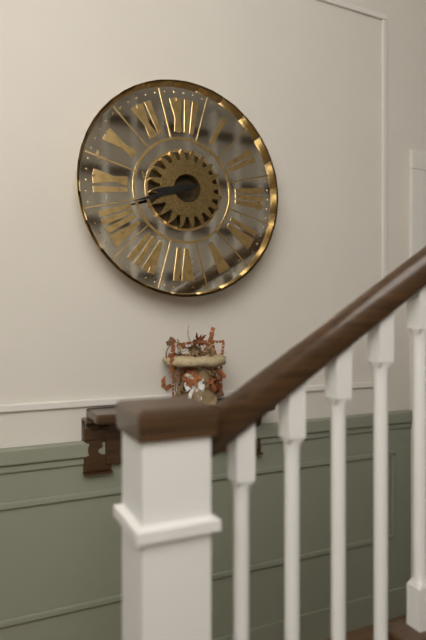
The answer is 8.42
